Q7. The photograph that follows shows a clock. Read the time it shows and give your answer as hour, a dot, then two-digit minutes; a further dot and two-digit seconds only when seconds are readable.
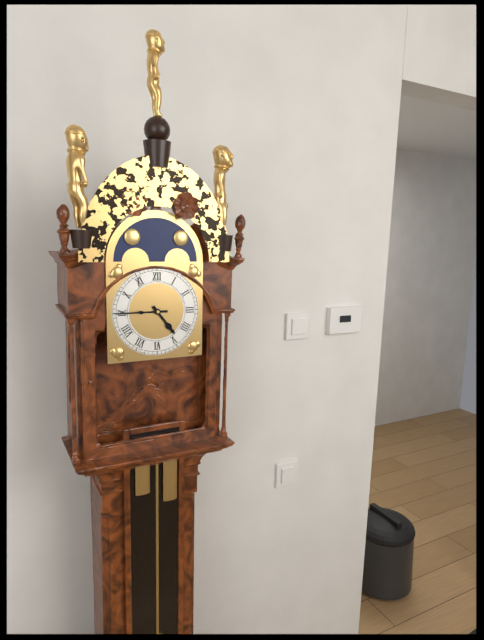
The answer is 4.45
